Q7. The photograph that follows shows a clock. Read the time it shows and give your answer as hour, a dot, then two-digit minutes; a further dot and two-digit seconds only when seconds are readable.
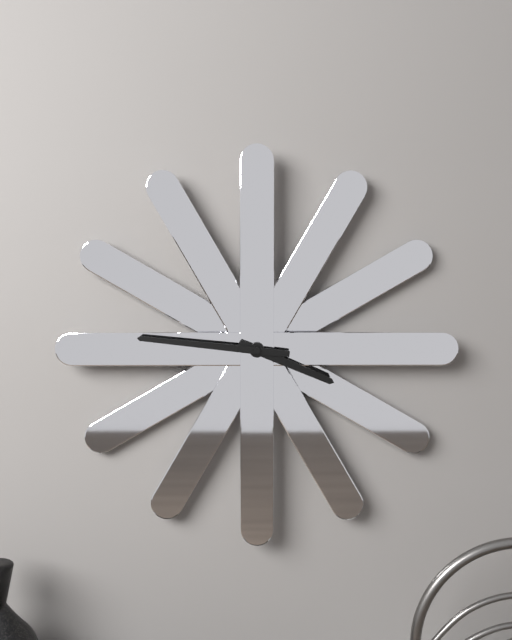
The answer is 3.46
